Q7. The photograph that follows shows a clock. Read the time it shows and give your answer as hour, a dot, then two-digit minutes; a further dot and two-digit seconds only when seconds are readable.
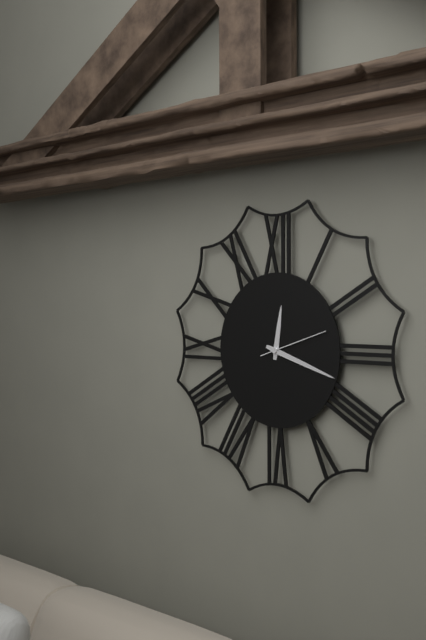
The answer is 12.18.12
